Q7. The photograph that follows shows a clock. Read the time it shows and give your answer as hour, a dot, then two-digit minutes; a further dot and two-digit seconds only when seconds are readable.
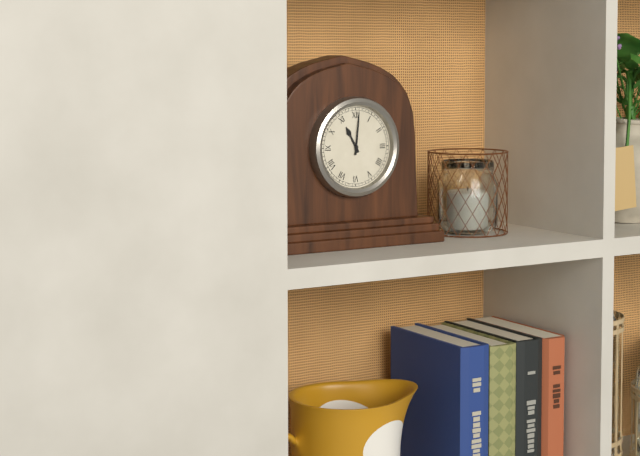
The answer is 11.01
